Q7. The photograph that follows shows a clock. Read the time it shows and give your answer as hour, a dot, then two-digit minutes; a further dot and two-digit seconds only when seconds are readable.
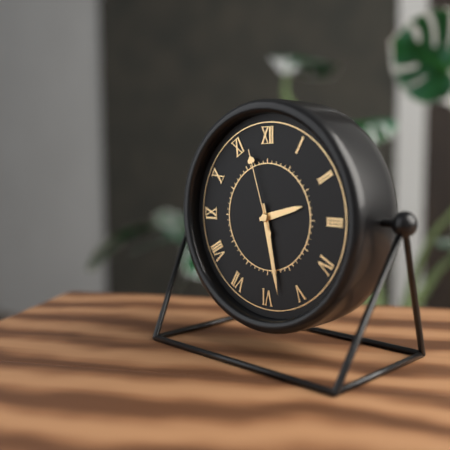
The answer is 2.28.57
